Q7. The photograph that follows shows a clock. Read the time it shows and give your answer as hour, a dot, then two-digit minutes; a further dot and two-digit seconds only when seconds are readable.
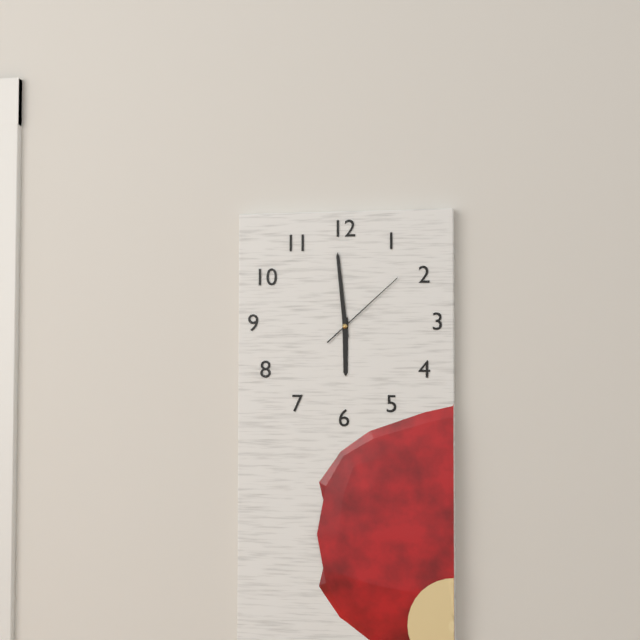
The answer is 5.59.08
